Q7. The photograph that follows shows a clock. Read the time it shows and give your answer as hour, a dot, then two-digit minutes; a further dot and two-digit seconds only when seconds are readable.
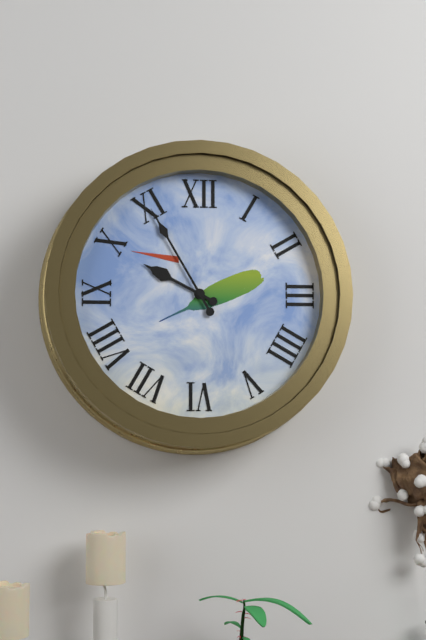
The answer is 9.55
